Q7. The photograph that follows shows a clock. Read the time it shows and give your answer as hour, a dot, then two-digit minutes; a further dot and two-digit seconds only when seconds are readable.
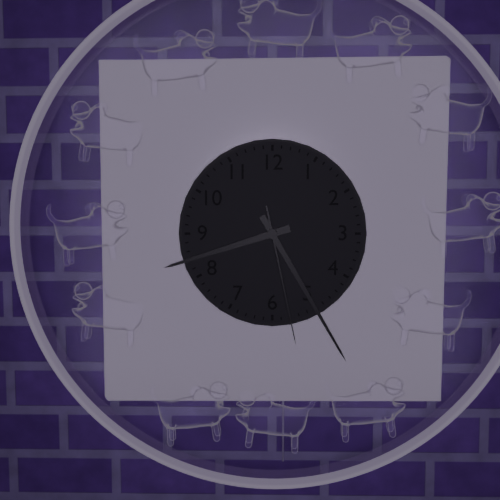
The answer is 8.25.28
